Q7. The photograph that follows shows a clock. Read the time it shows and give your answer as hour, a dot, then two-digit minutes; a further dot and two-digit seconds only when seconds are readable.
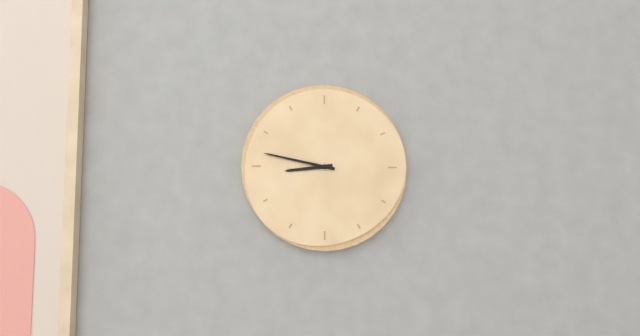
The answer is 8.47
